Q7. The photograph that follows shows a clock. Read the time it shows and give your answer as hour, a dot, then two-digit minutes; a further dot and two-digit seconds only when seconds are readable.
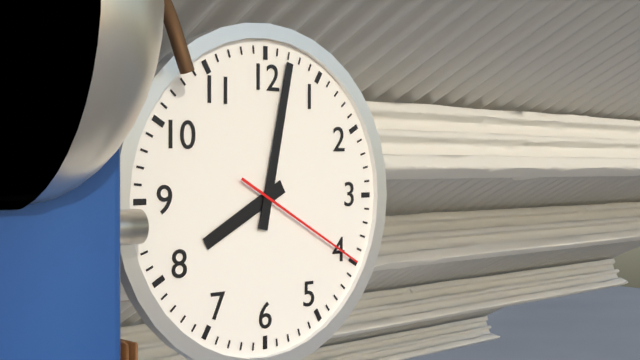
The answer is 8.02.20
